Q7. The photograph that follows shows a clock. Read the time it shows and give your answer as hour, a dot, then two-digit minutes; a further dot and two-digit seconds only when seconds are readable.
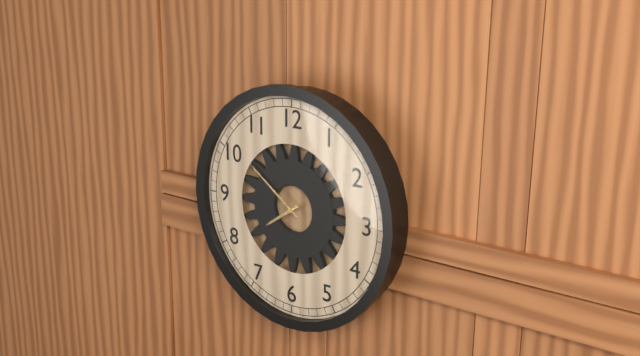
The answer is 7.51
